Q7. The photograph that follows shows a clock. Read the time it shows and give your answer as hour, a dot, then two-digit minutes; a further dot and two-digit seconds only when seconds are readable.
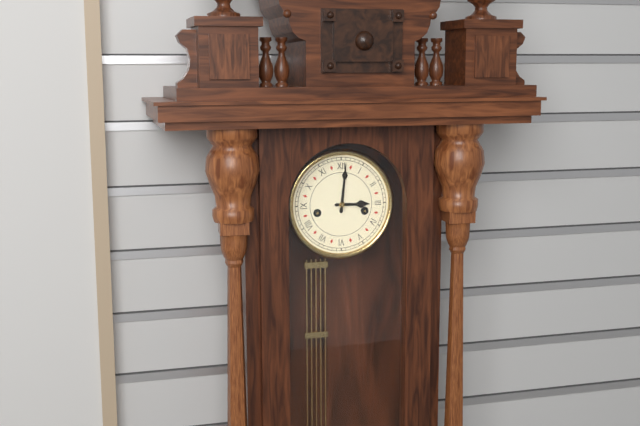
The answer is 3.01
